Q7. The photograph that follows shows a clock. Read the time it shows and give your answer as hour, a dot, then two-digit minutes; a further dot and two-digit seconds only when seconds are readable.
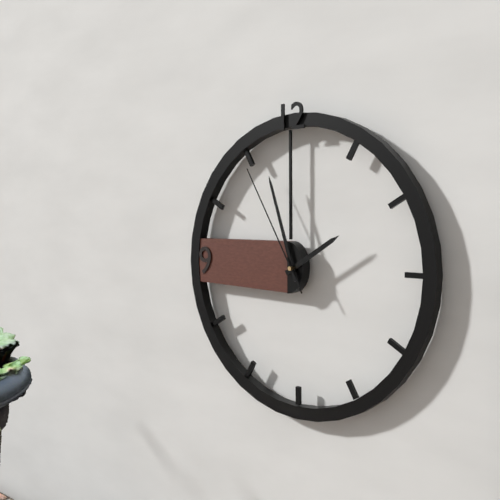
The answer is 1.57.55
